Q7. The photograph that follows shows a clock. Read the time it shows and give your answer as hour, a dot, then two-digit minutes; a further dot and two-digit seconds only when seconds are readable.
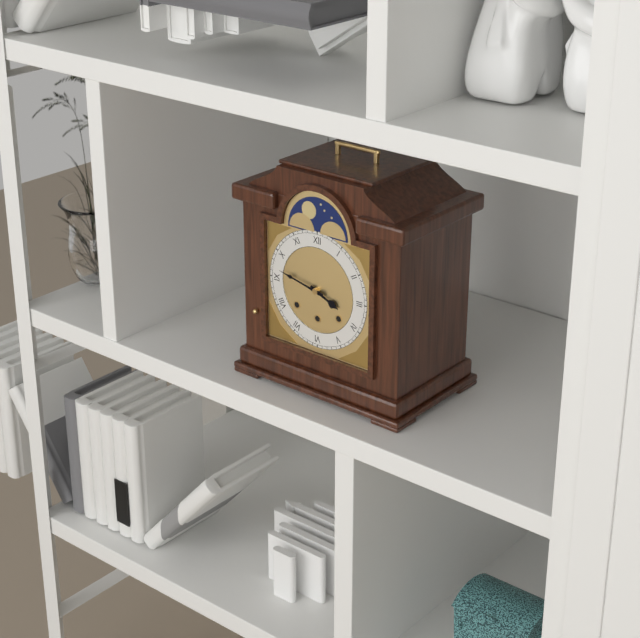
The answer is 3.47
